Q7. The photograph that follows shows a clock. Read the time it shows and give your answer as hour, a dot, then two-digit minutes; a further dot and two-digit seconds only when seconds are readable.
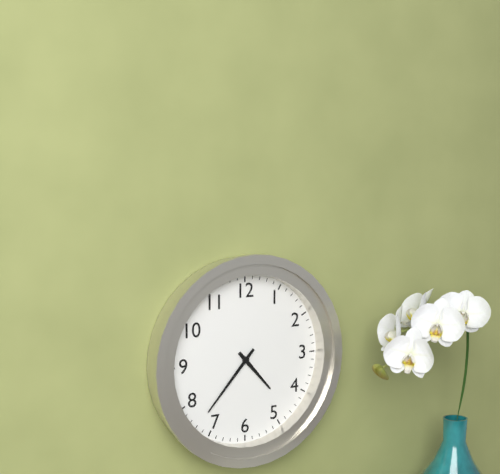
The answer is 4.37
